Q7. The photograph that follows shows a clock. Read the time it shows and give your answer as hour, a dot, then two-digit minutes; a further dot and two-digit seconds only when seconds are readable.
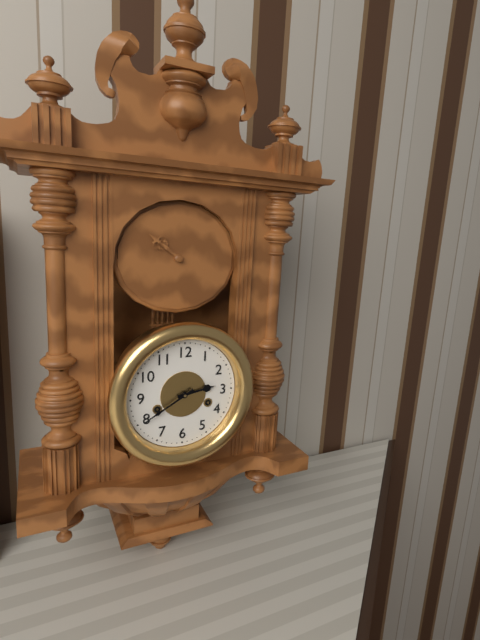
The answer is 2.40
